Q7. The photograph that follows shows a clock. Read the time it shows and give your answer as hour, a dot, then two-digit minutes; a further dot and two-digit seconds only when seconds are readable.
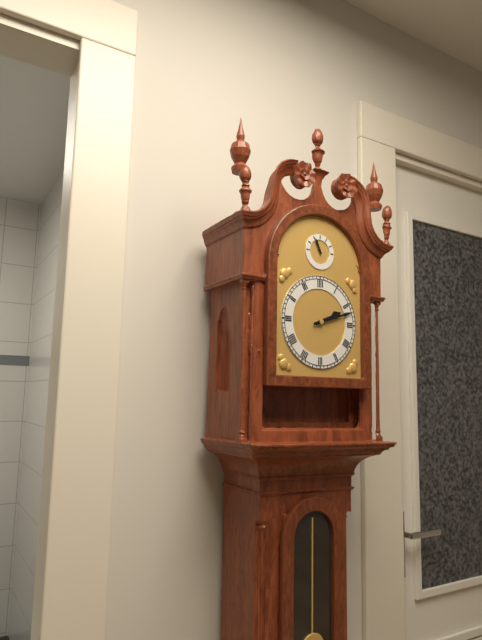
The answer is 2.12
